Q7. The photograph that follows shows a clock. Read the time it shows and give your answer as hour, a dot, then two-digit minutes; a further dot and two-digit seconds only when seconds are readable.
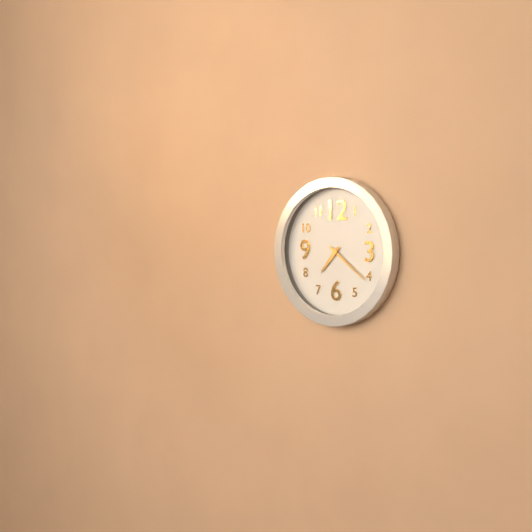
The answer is 7.21
